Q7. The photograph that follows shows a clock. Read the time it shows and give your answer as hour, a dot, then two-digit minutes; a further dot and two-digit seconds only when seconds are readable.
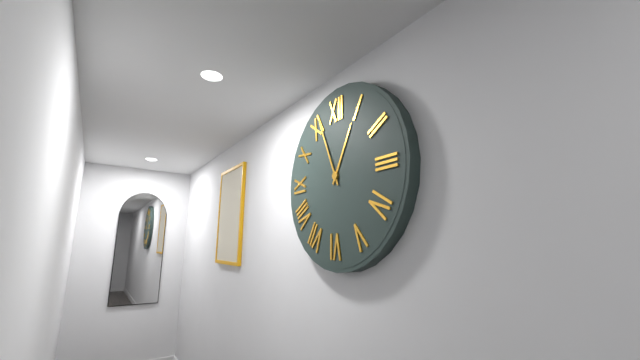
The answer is 12.56
